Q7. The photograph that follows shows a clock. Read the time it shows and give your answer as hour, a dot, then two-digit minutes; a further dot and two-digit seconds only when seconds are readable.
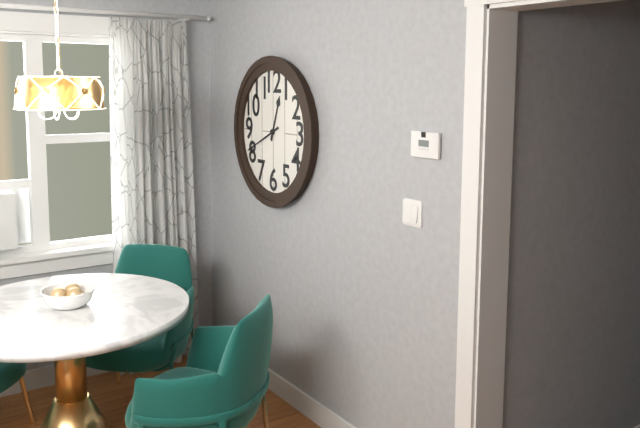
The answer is 12.41
